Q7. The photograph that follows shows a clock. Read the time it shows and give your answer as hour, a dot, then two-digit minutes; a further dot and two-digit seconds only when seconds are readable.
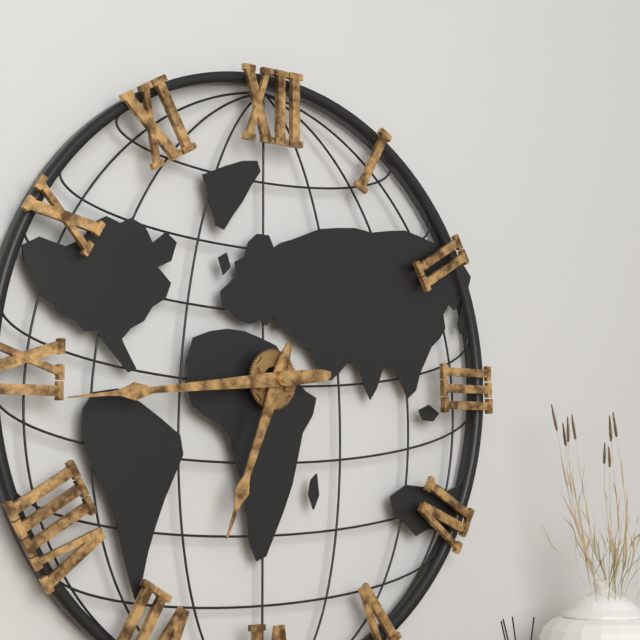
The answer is 6.44
